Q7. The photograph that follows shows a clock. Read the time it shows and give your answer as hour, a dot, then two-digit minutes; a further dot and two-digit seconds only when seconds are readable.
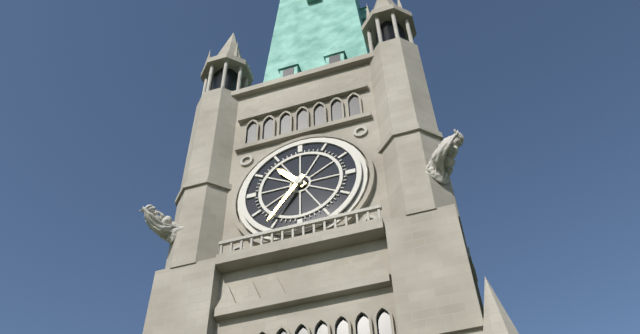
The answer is 10.36
